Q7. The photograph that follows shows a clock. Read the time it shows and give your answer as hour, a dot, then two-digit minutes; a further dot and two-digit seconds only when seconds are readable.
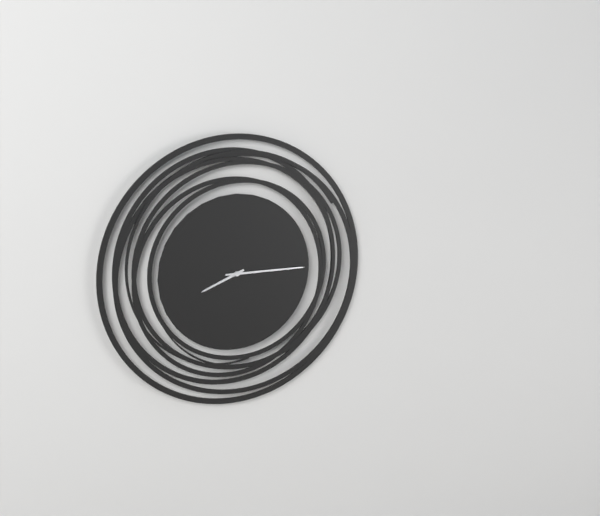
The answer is 8.15
